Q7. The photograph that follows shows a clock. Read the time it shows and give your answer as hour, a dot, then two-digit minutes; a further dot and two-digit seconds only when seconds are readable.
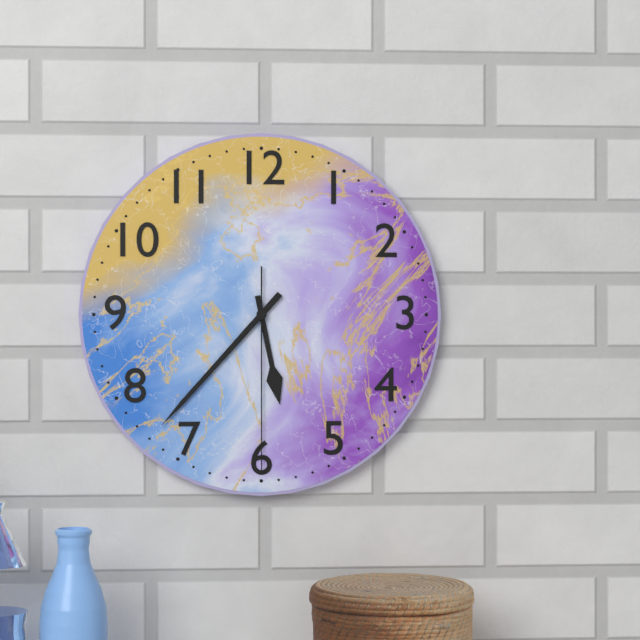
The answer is 5.37.30
